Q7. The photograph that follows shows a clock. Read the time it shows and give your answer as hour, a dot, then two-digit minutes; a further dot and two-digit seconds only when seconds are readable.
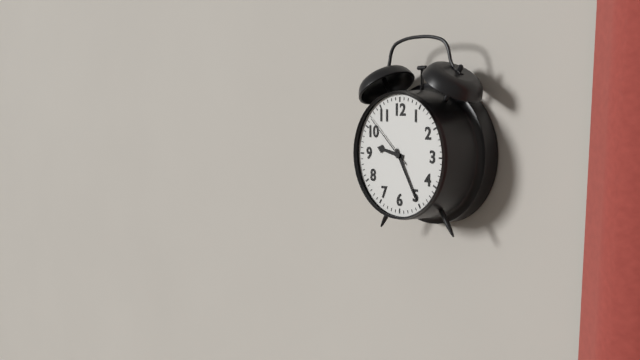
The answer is 9.25.52
